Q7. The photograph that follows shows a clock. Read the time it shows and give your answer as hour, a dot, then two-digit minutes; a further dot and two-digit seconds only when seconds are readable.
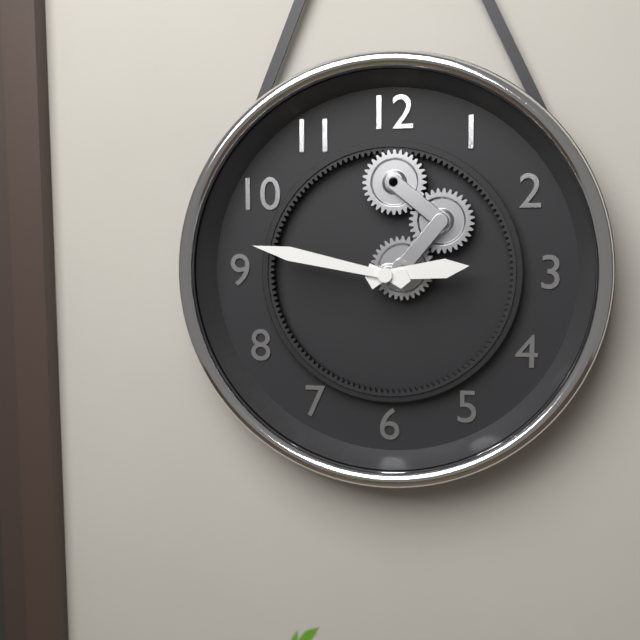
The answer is 2.47
